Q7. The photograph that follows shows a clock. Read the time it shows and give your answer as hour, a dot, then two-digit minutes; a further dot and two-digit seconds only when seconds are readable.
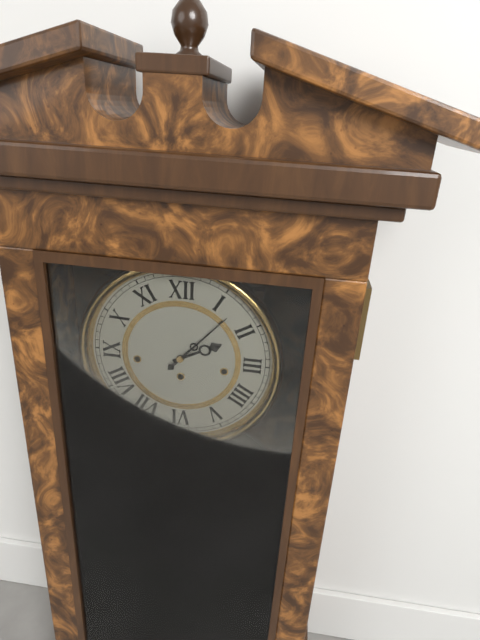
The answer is 2.07
